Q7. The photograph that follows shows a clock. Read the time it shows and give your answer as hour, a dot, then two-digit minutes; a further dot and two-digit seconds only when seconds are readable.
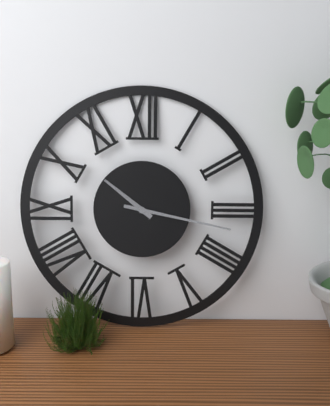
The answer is 10.17
